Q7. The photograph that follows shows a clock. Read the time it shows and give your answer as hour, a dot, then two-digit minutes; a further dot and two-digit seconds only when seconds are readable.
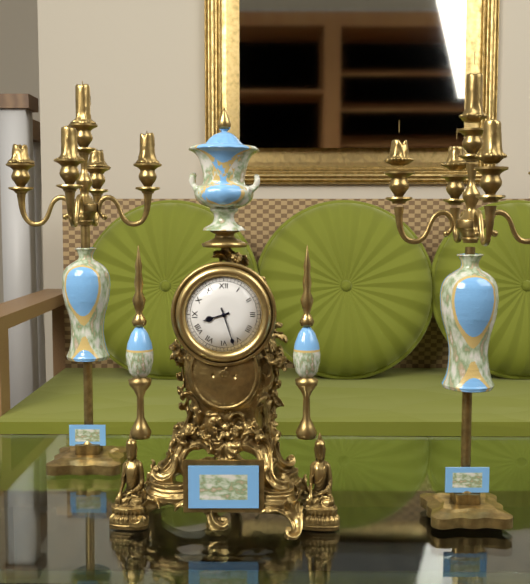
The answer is 8.27
